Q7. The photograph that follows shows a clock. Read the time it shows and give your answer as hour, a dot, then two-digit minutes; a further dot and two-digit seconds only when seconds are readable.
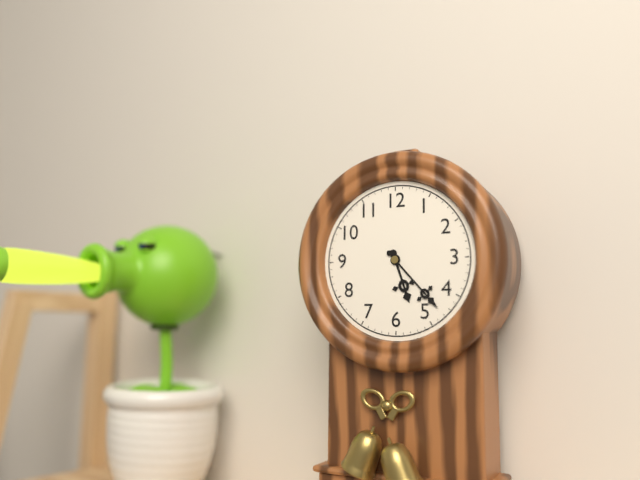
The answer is 5.23
